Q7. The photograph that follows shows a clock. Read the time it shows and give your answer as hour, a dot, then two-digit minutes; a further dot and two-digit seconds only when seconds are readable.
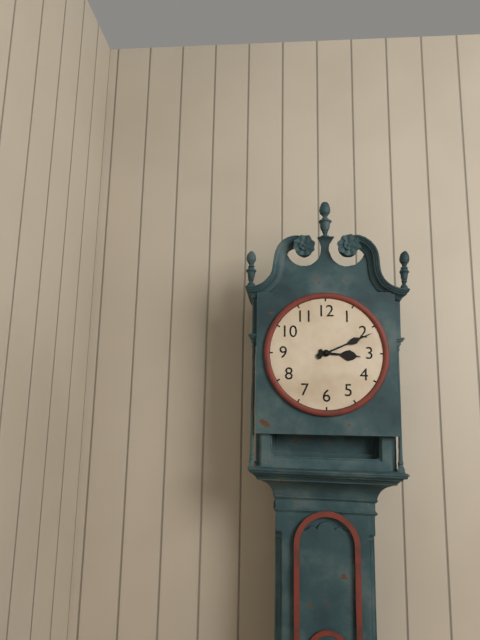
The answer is 3.11
